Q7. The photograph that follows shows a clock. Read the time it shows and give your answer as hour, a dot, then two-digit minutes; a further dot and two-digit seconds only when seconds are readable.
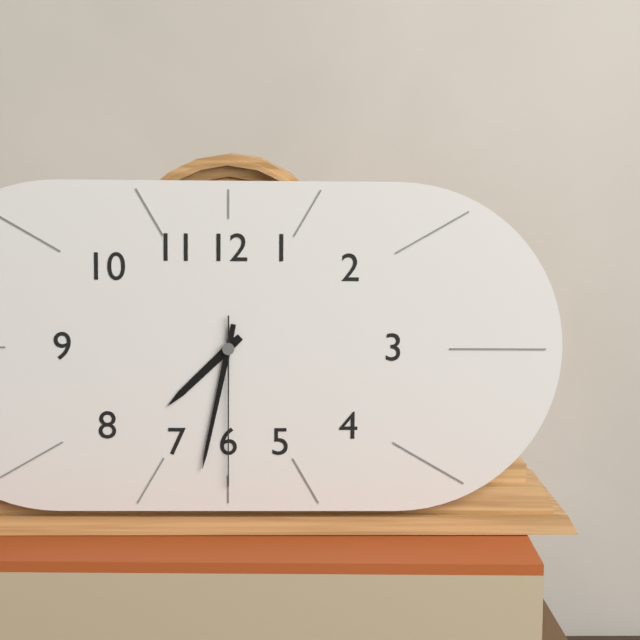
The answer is 7.32.30
